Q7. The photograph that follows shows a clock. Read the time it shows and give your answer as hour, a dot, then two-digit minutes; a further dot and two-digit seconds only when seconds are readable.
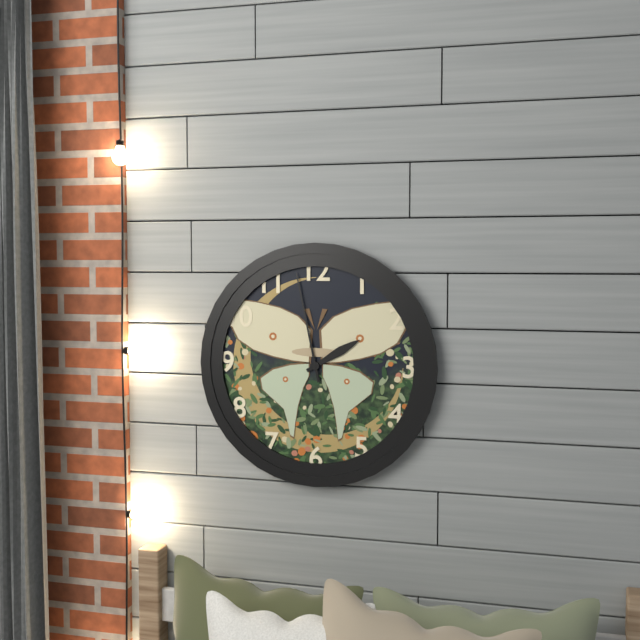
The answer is 1.58
